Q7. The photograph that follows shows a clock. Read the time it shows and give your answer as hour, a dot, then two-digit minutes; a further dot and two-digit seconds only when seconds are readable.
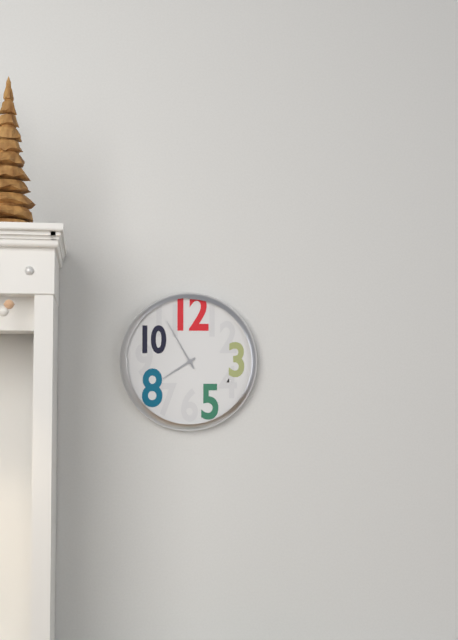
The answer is 7.55
